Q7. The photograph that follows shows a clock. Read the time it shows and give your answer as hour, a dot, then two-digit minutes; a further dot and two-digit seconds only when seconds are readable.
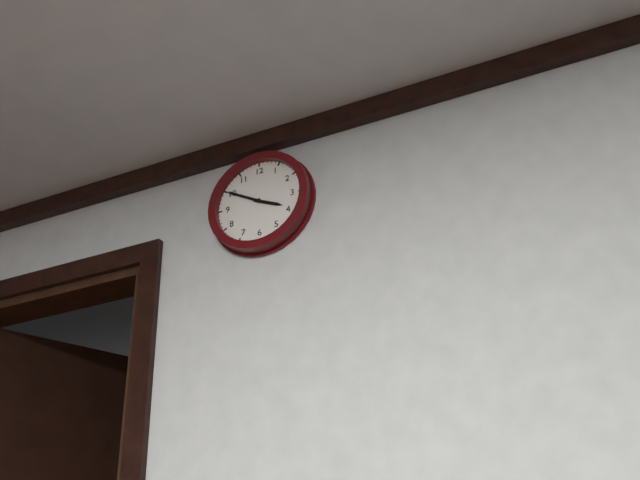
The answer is 3.50
